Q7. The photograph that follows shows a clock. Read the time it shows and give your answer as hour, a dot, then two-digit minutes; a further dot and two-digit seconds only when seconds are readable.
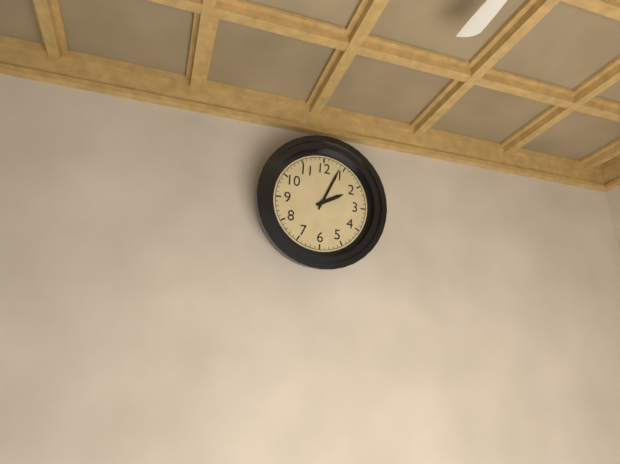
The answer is 2.04
